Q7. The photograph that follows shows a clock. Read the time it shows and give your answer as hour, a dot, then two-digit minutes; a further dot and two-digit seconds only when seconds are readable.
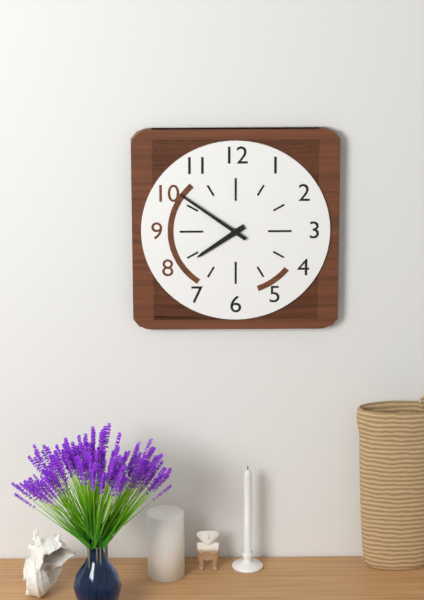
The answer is 7.51
